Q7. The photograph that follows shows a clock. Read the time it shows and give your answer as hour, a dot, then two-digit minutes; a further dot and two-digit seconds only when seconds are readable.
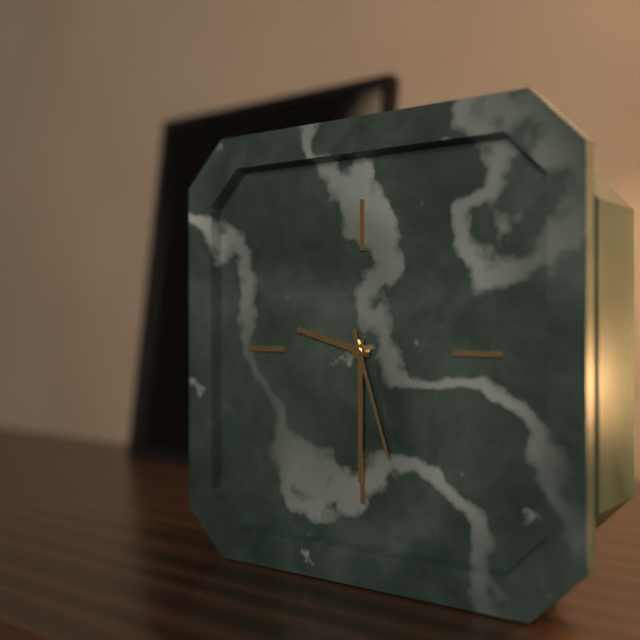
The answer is 9.30.27
